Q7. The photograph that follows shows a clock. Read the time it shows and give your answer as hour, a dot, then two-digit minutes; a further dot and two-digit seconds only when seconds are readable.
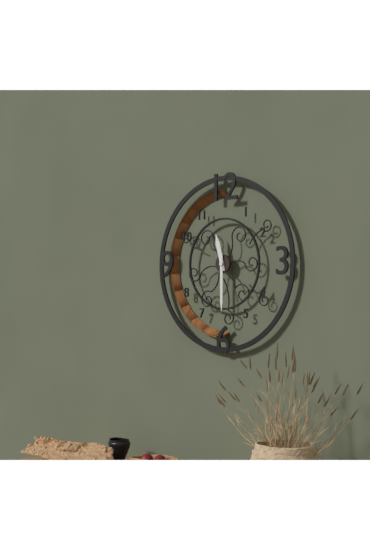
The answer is 11.30
